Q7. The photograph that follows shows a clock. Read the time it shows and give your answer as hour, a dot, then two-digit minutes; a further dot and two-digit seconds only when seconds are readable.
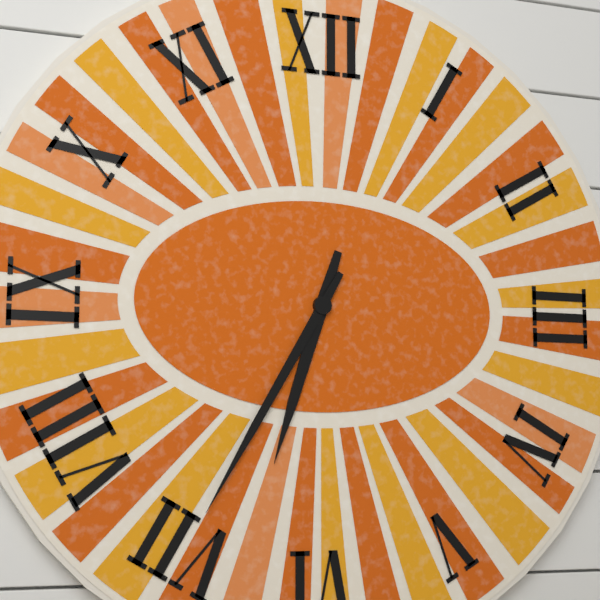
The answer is 6.35
